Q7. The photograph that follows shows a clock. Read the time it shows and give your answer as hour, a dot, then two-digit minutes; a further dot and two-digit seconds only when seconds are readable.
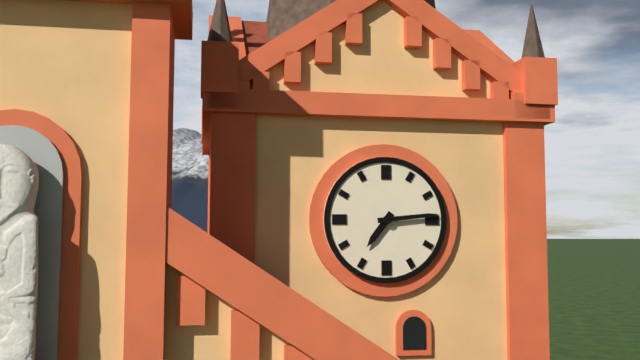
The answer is 7.14
